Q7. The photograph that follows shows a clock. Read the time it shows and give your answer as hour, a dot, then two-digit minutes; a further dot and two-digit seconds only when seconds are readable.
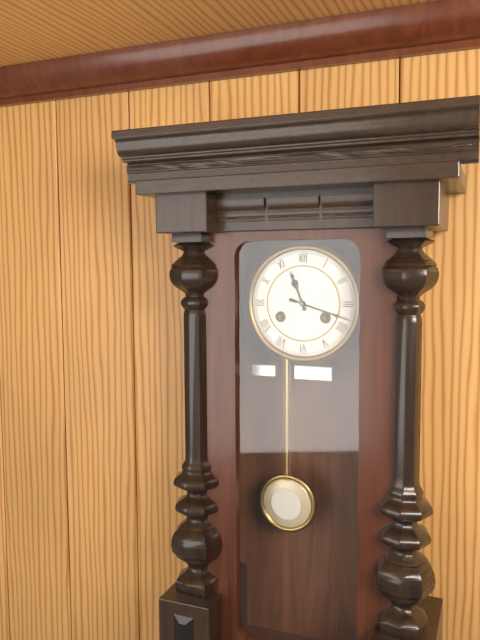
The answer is 11.18
